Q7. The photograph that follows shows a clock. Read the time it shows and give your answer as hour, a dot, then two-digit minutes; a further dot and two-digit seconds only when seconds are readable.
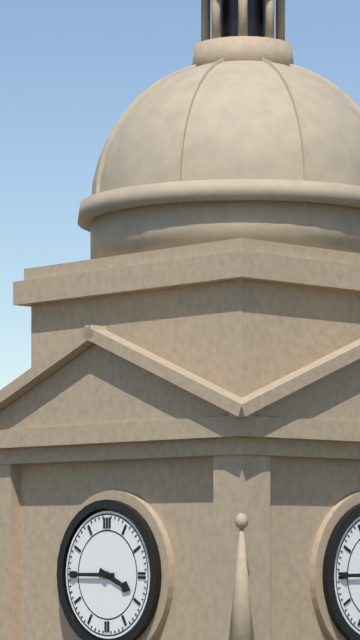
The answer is 3.45
